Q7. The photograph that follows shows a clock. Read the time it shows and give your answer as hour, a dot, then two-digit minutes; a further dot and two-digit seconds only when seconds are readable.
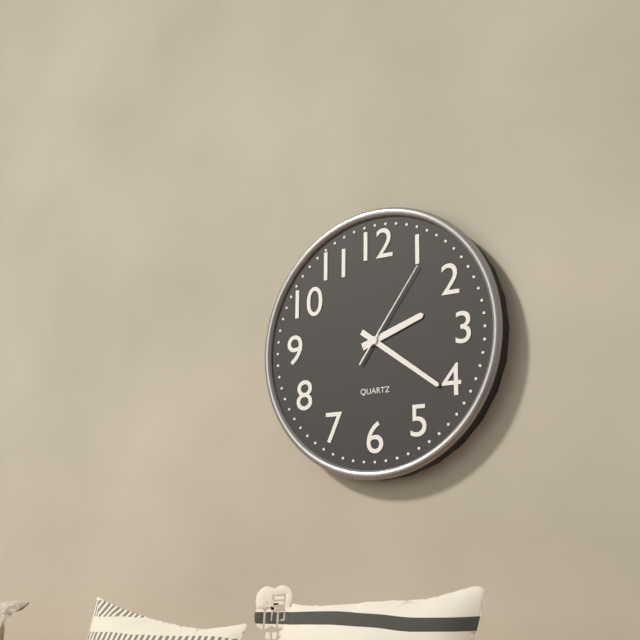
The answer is 2.21.06
